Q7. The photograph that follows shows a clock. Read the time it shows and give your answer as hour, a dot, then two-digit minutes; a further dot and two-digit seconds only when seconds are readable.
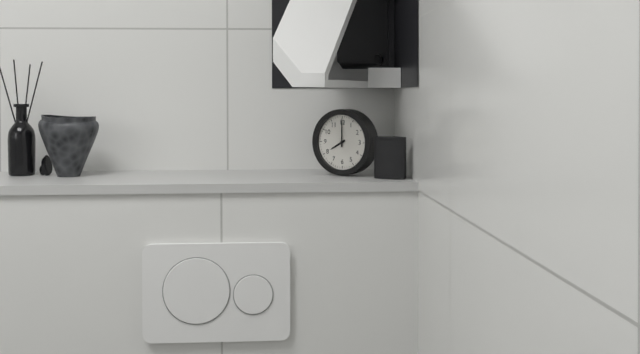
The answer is 8.00
